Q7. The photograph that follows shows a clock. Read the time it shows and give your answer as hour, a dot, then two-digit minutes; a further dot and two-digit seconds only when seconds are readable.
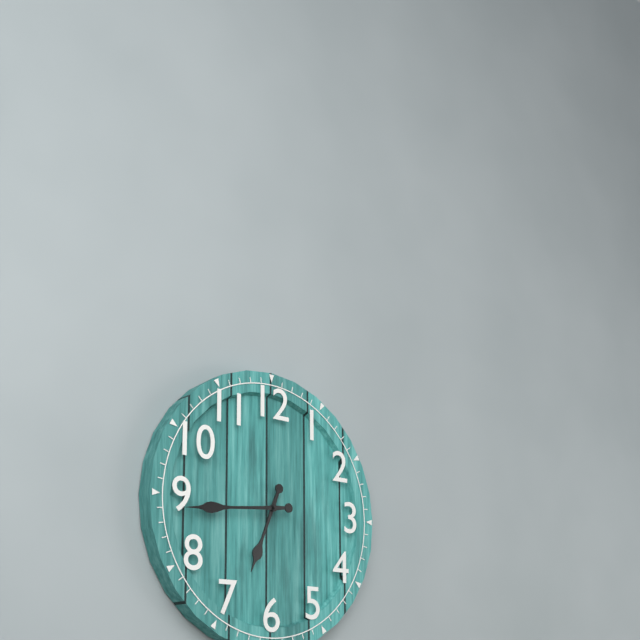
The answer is 6.44
